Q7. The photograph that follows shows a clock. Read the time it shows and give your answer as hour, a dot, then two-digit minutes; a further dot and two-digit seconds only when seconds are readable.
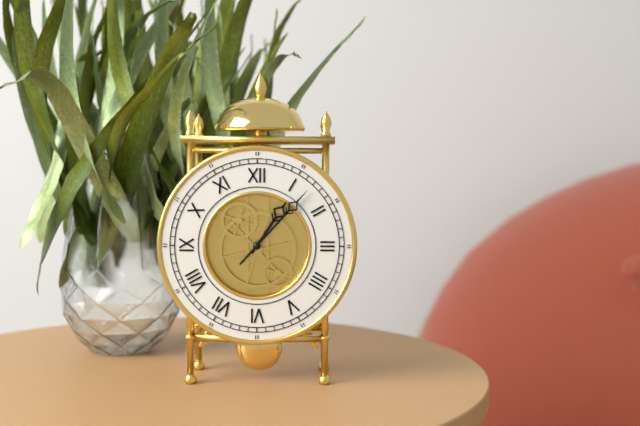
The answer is 1.07
